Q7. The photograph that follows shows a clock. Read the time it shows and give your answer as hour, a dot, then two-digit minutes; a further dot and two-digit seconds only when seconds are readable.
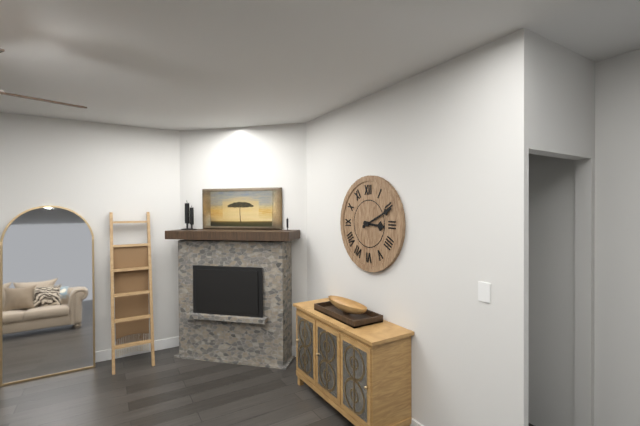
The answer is 3.11
